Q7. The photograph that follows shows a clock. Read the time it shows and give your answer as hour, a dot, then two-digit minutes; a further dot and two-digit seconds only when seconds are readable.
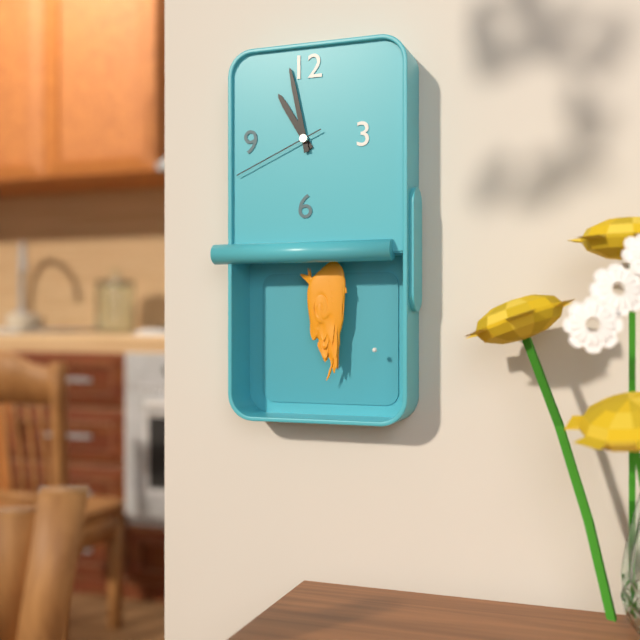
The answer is 10.58.41
